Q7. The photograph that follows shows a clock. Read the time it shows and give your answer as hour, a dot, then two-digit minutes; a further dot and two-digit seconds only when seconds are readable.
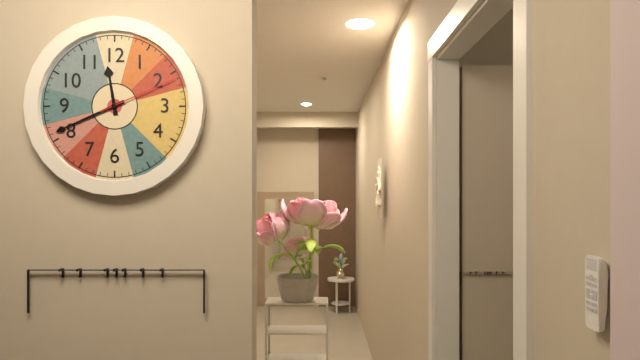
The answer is 11.41.11
